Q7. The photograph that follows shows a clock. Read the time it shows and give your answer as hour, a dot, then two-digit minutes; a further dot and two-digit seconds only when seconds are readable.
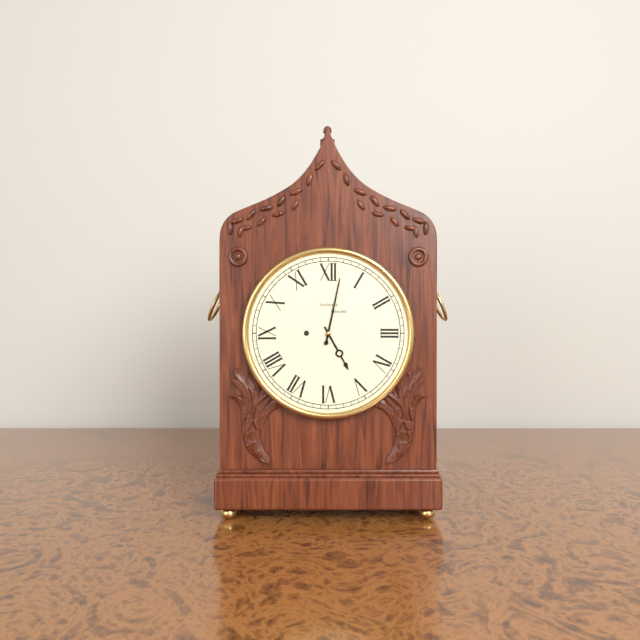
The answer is 5.02
